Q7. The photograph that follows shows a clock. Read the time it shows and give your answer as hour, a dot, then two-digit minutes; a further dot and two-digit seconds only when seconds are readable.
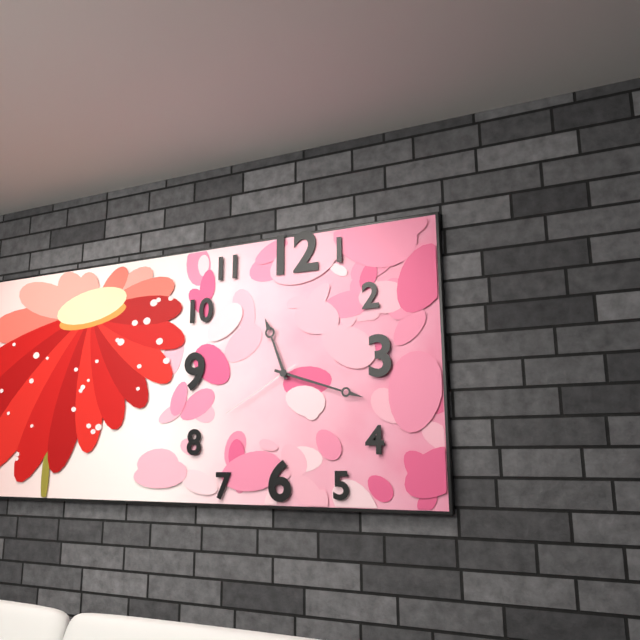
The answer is 11.18.40
